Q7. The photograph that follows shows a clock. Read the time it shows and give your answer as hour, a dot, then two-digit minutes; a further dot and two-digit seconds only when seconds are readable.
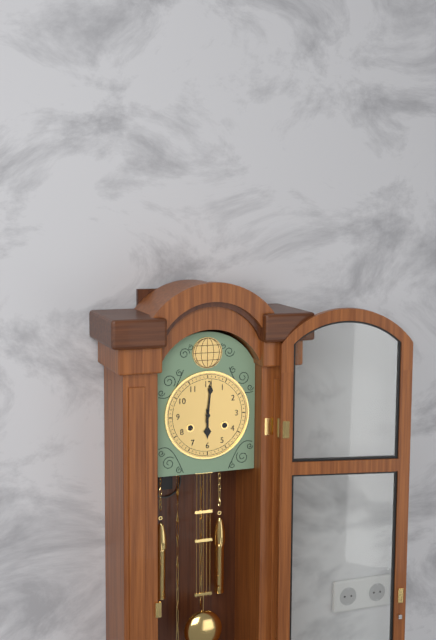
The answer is 6.01
